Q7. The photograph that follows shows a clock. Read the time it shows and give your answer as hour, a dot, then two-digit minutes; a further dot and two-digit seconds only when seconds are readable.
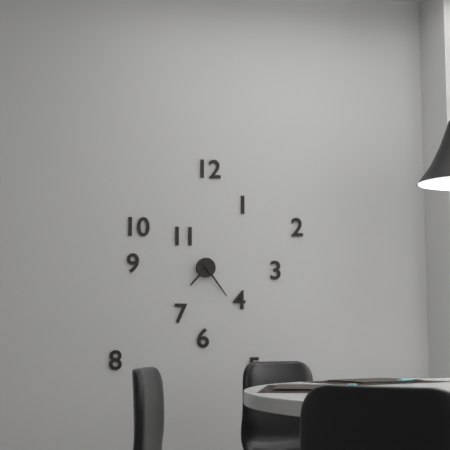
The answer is 7.24
